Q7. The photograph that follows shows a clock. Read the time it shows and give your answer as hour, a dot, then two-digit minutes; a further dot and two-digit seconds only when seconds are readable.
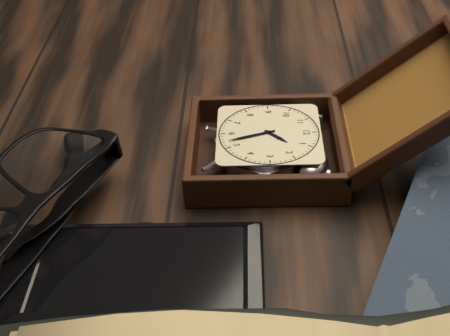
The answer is 1.27
